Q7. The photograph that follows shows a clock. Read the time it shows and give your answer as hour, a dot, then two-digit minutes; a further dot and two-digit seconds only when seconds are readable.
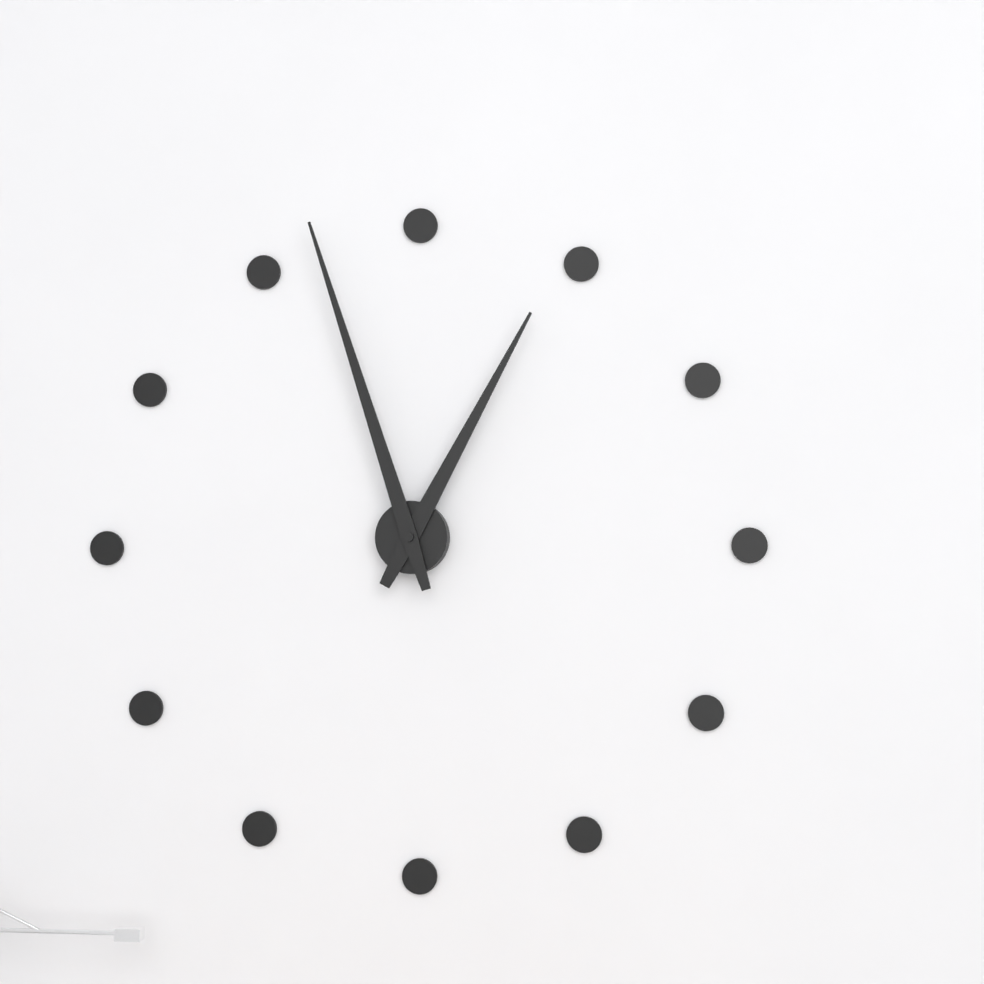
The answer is 12.57
